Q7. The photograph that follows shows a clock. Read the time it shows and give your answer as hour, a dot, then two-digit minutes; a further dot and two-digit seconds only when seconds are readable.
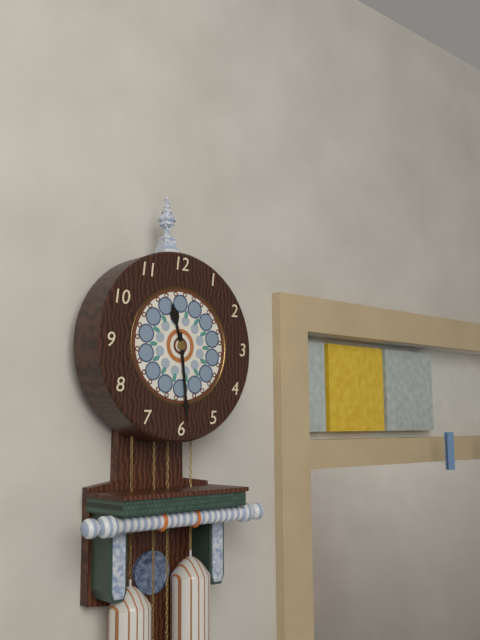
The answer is 11.29
